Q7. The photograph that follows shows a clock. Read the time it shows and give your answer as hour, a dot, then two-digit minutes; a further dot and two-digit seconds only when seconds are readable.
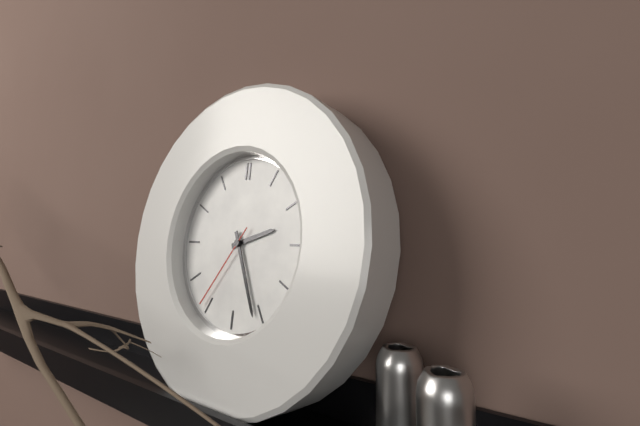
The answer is 2.26.36
